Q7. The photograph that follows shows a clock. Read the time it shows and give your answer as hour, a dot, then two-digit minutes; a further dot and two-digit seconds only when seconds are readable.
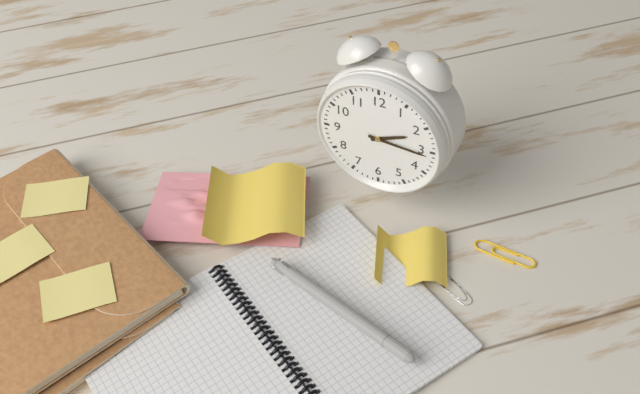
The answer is 2.16
